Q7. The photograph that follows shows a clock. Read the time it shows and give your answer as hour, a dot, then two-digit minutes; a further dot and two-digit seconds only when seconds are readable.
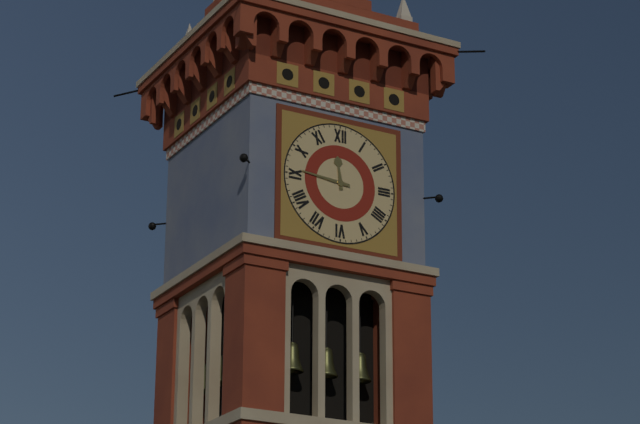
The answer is 11.46
